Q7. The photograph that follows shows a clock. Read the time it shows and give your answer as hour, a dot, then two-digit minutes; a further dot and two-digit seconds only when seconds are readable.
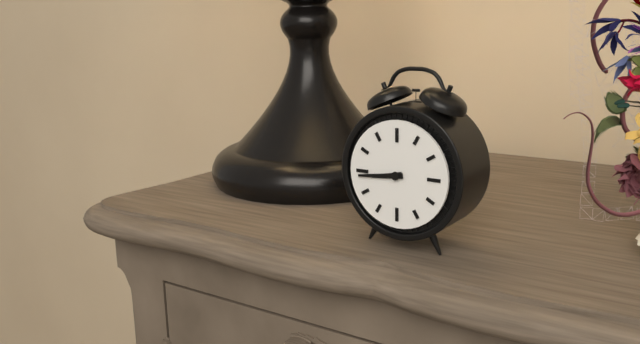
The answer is 8.44
